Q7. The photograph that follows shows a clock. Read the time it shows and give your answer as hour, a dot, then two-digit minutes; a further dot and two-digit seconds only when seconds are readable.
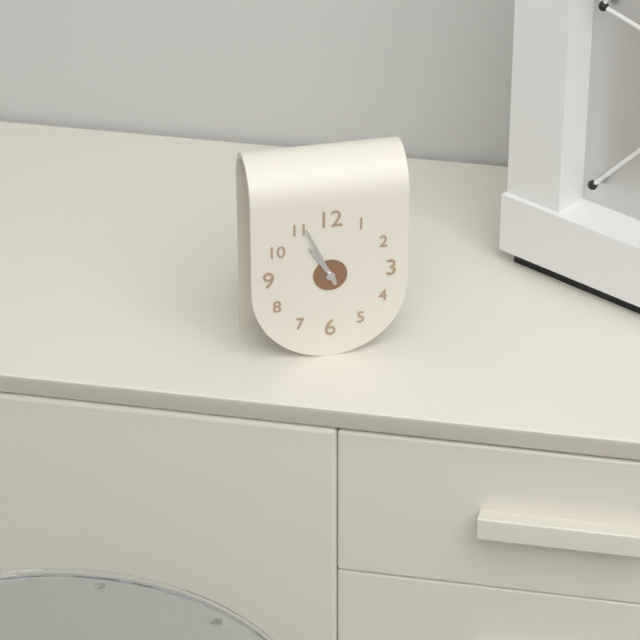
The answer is 10.56
